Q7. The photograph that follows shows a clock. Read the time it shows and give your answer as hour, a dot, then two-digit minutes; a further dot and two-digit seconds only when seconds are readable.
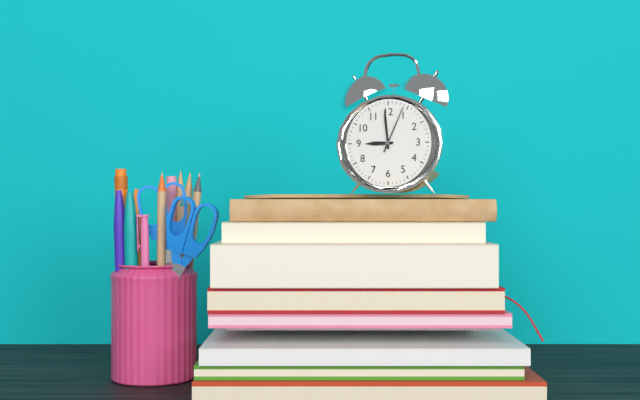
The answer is 8.59
